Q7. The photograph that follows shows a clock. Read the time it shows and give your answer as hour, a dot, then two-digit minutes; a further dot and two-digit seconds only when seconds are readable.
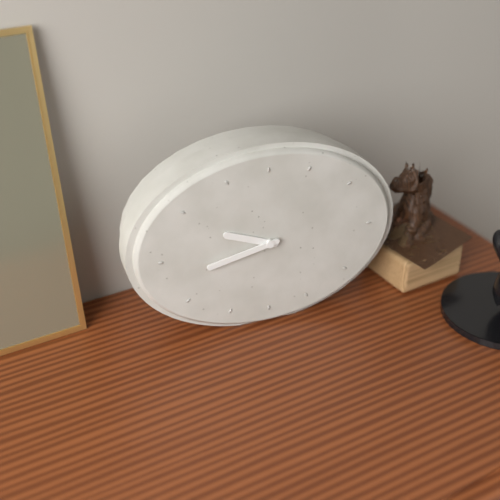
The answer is 9.43
